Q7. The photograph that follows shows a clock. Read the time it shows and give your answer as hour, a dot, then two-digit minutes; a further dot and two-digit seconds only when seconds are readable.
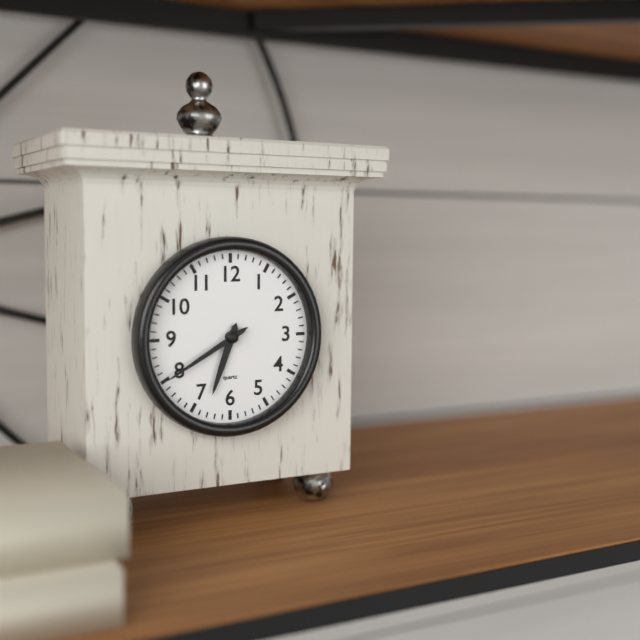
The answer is 6.40
